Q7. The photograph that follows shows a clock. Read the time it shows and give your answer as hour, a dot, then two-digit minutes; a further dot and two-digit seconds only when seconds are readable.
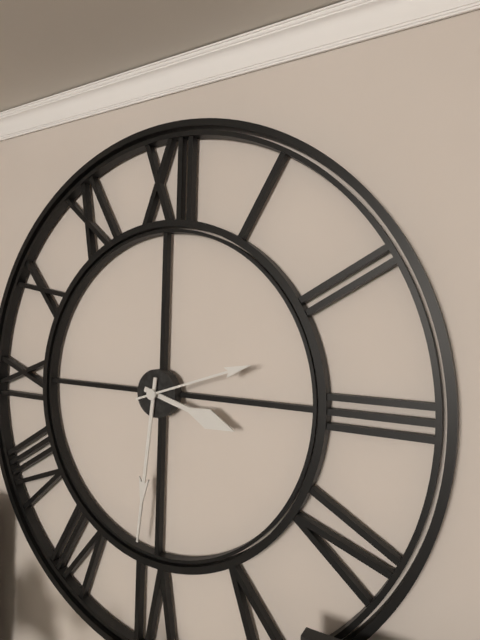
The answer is 3.31.12
